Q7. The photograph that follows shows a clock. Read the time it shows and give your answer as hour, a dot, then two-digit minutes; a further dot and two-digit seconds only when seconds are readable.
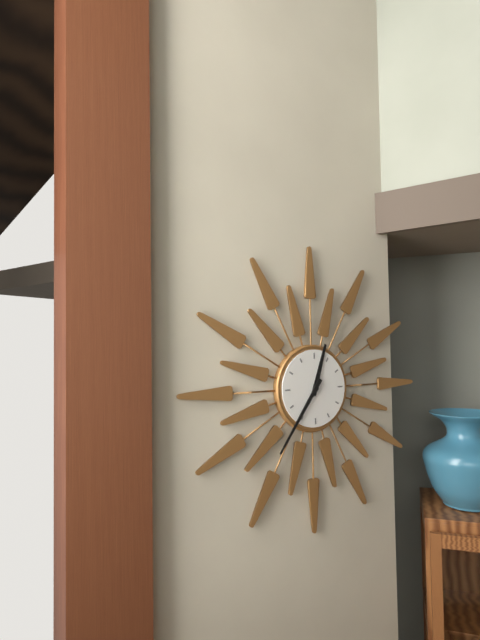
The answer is 12.36
